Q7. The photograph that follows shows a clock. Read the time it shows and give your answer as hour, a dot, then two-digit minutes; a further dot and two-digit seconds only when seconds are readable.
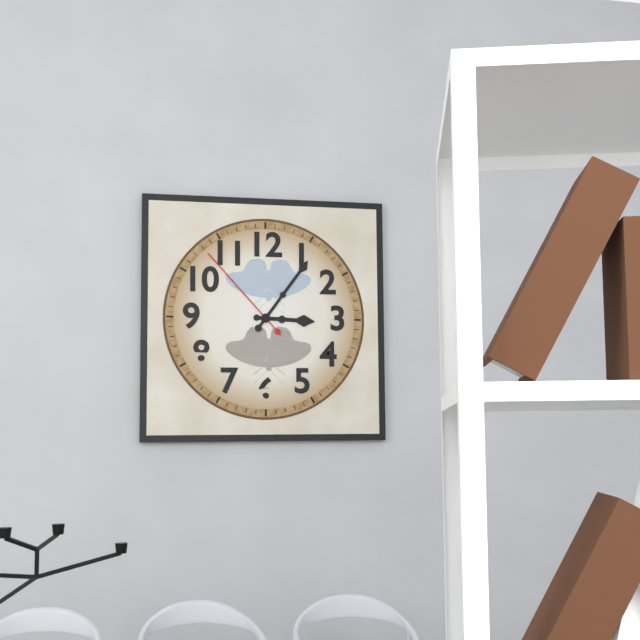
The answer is 3.06.53
